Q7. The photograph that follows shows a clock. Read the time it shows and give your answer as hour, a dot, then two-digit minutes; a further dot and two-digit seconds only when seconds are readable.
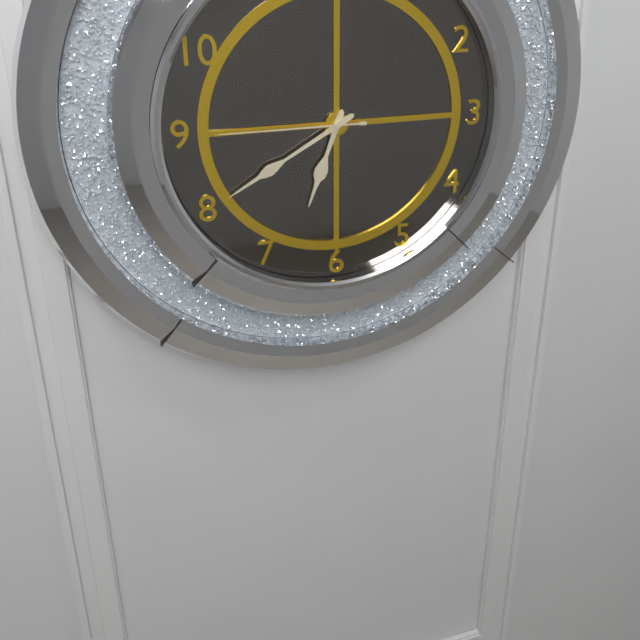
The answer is 6.40.45
